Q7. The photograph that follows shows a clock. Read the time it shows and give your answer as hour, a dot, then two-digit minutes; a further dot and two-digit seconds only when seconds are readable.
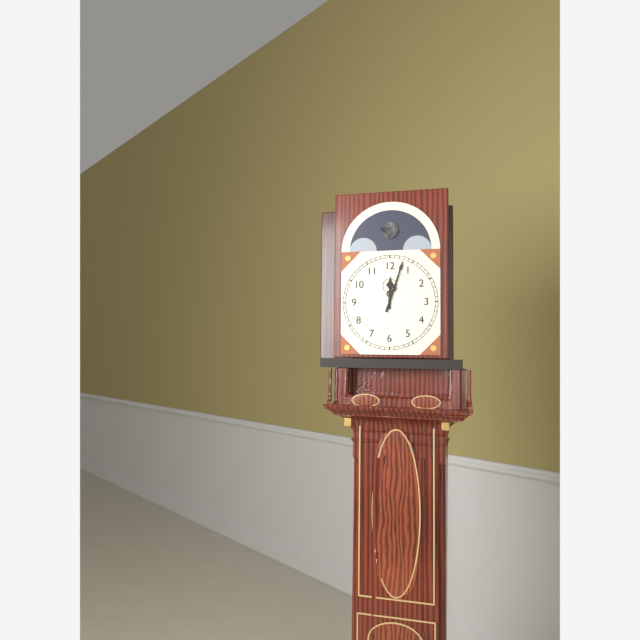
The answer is 12.03
